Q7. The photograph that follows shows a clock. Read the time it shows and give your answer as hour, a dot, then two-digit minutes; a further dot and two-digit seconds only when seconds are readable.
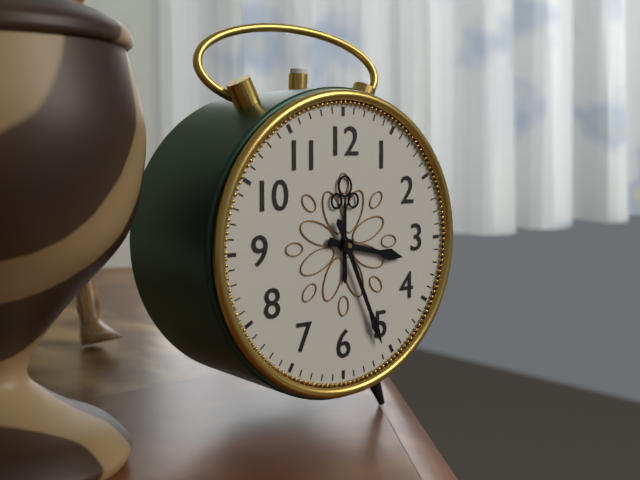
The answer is 3.26
